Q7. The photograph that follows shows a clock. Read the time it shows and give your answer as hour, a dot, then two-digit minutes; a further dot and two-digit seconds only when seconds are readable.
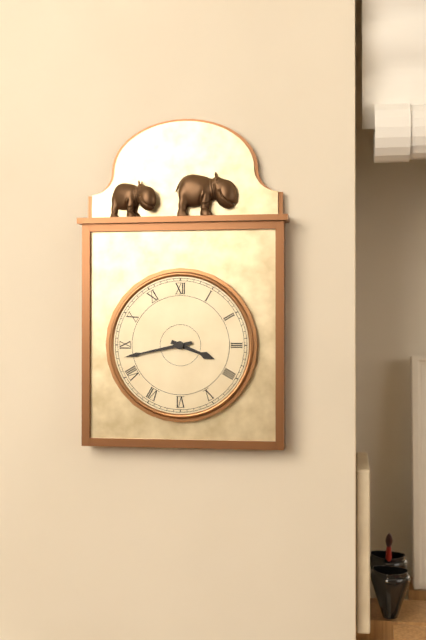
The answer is 3.43
